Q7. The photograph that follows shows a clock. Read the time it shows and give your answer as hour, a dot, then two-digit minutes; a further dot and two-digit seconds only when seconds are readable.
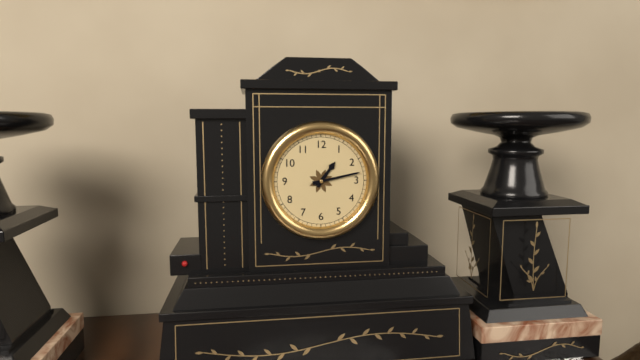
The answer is 1.13
